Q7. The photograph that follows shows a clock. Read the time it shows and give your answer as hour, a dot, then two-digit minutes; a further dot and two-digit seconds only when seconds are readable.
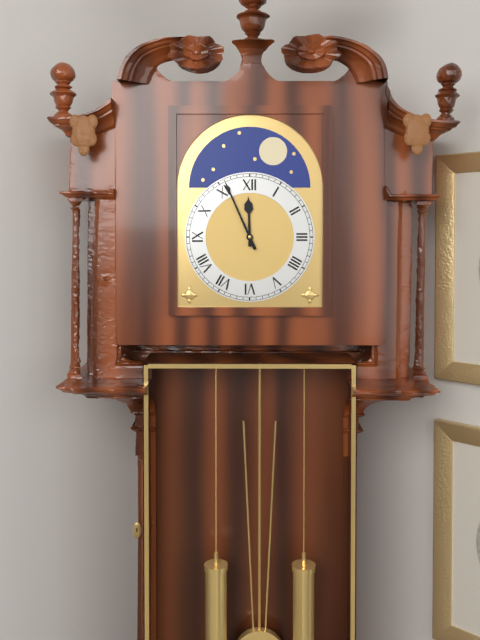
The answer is 11.56
